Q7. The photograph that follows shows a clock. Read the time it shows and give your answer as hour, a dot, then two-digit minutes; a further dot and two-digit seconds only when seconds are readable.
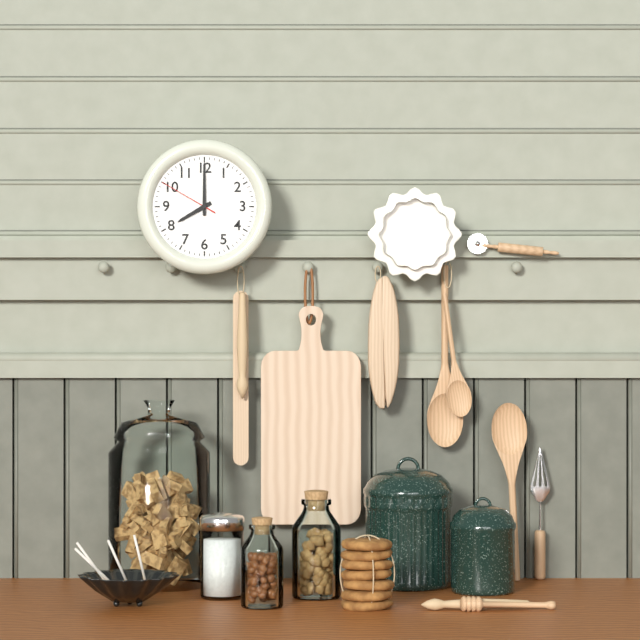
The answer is 8.00.50
